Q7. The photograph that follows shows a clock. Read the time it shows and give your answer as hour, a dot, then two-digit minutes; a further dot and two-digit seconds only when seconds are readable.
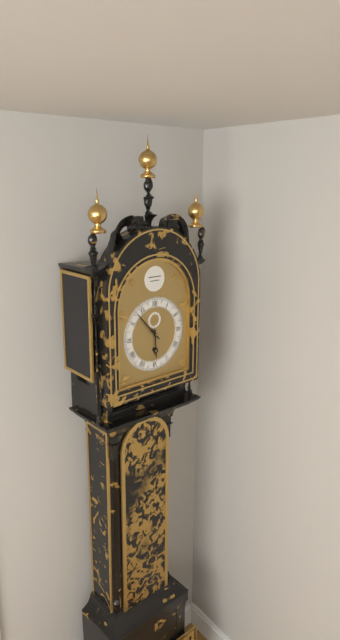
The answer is 5.53
